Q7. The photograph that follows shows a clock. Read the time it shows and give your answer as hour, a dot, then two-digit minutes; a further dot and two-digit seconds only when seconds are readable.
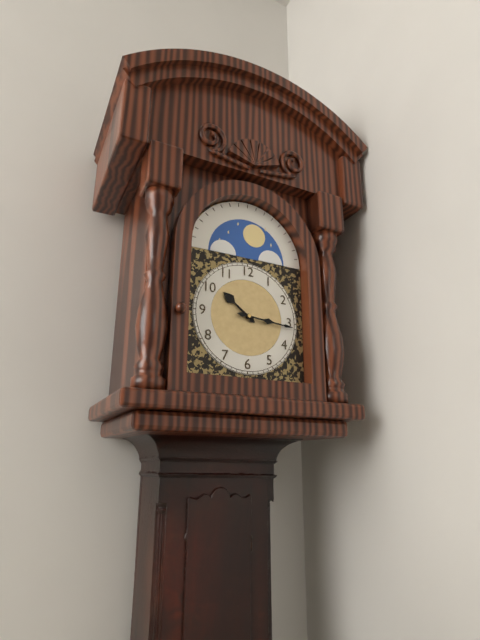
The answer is 10.16
